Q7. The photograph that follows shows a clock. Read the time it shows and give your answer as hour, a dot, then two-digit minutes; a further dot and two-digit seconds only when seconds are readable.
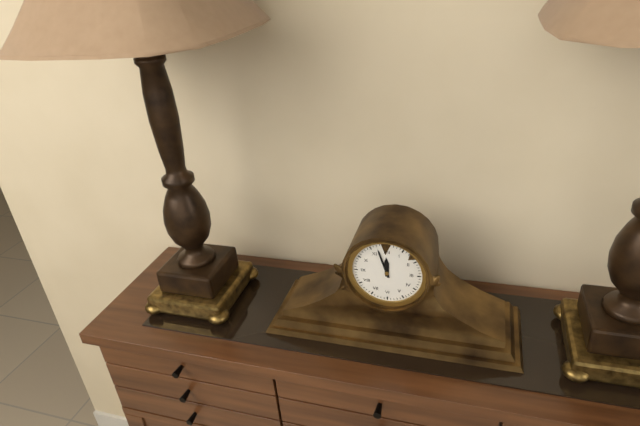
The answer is 11.57
